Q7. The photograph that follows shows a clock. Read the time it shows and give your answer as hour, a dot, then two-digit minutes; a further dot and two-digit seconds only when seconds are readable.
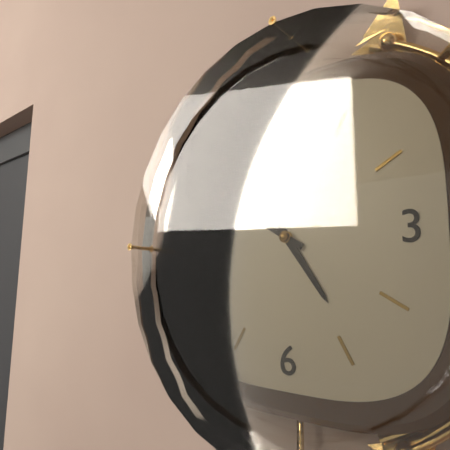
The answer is 4.50
